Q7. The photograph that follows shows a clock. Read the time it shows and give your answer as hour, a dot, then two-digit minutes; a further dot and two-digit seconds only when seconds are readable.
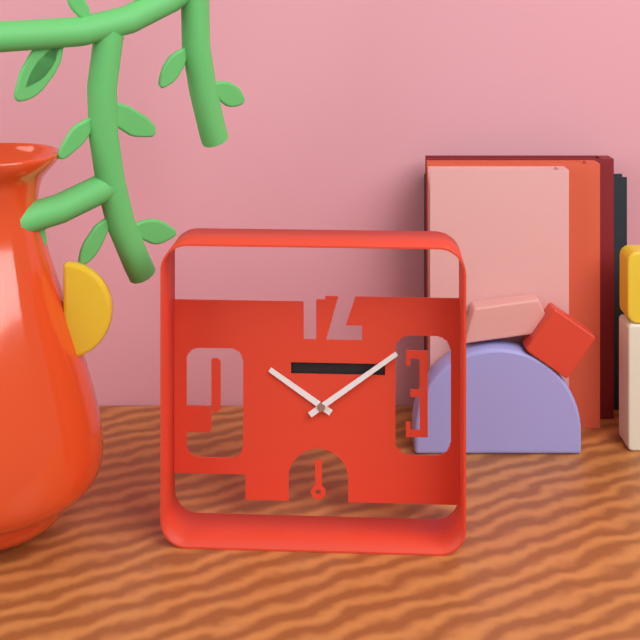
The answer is 10.09
